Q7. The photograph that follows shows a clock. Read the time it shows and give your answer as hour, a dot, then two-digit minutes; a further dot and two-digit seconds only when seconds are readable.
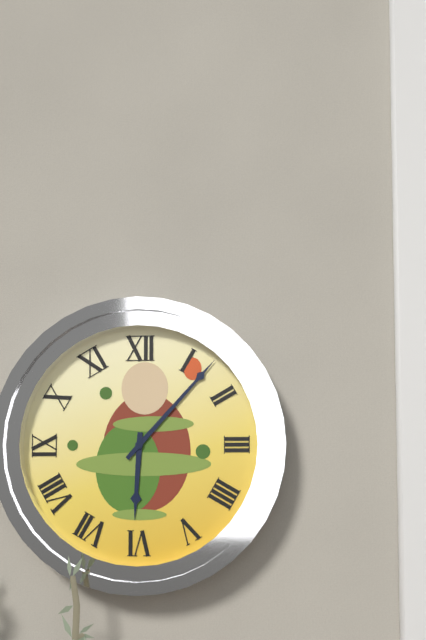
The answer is 6.07
